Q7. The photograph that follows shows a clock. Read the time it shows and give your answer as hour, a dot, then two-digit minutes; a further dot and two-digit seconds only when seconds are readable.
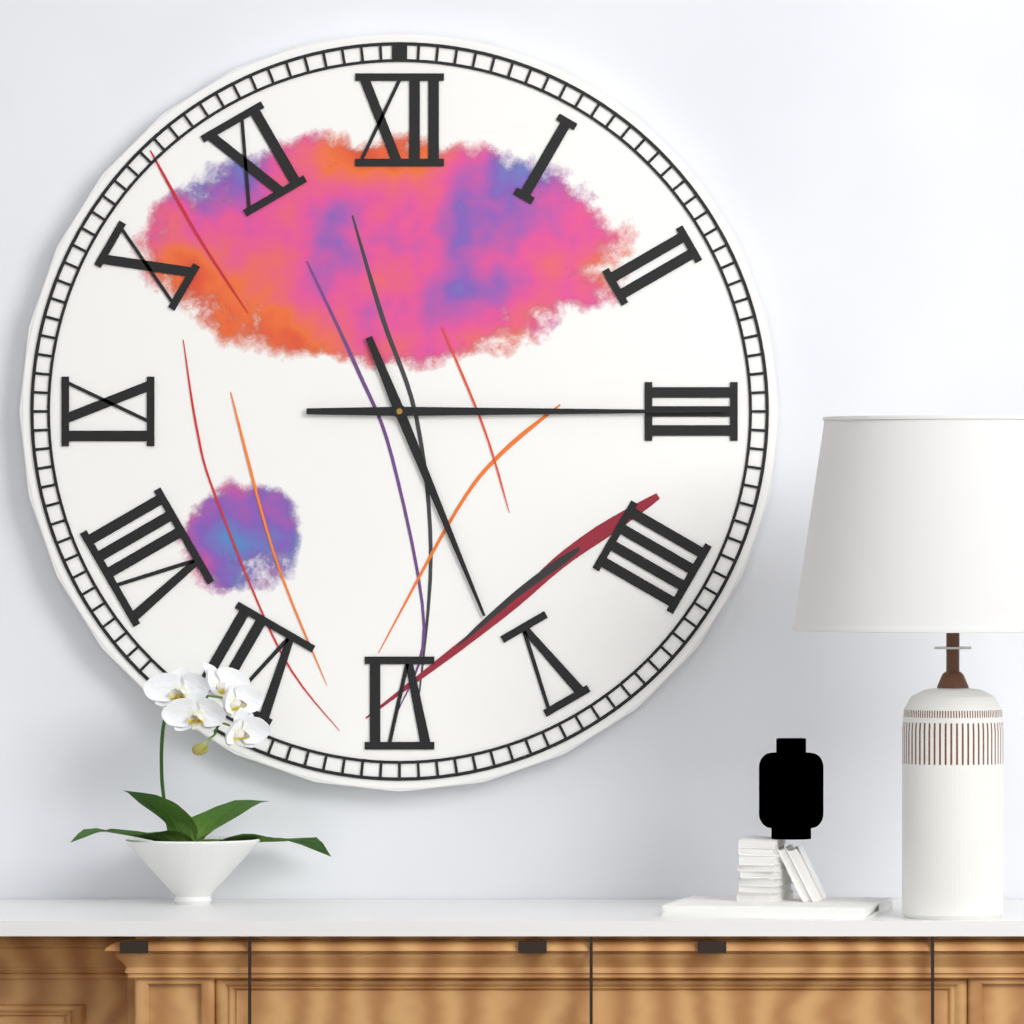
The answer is 5.15
